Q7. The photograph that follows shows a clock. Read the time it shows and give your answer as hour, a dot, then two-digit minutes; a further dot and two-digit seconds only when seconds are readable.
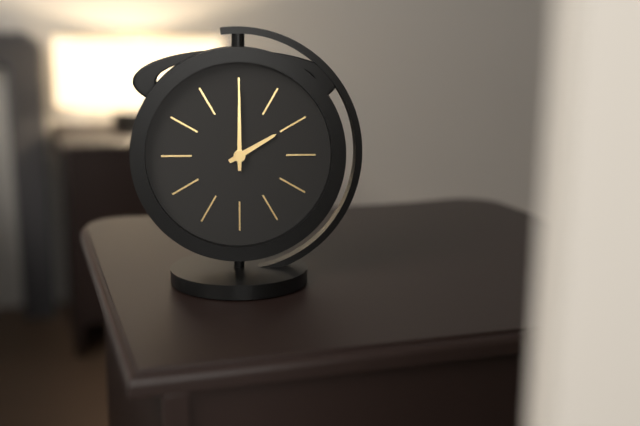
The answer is 2.00
